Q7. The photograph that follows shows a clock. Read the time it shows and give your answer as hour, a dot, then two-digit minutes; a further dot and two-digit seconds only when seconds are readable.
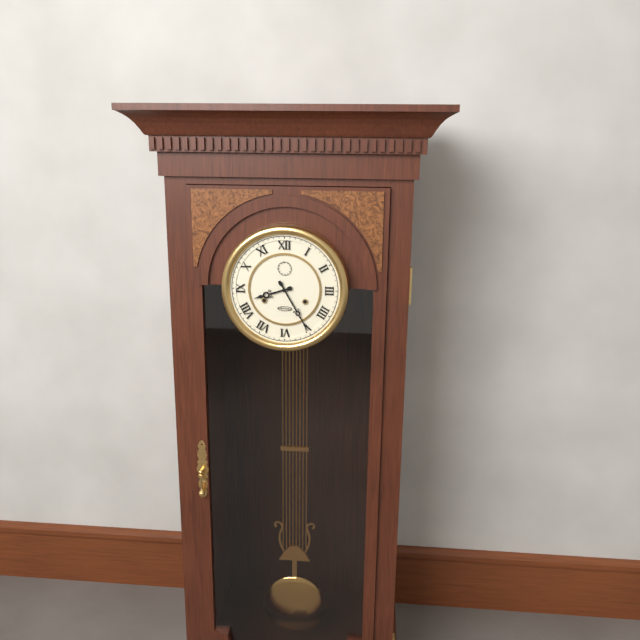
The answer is 8.25
